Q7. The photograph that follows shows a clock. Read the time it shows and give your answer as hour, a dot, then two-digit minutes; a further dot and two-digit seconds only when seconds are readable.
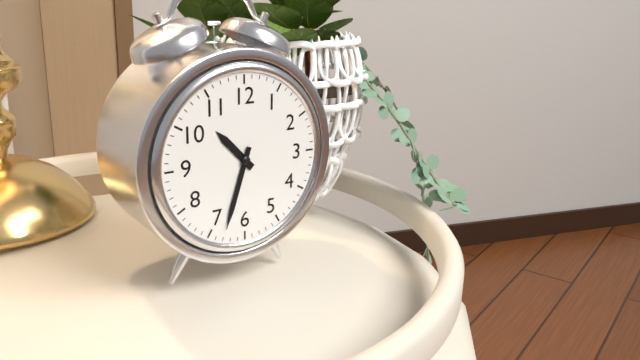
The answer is 10.33
